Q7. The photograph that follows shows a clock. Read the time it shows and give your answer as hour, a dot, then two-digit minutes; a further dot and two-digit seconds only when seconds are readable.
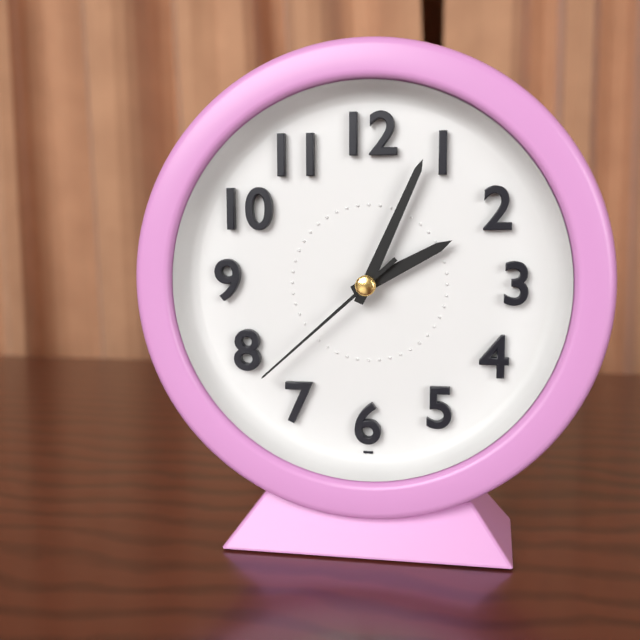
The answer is 2.04.38
